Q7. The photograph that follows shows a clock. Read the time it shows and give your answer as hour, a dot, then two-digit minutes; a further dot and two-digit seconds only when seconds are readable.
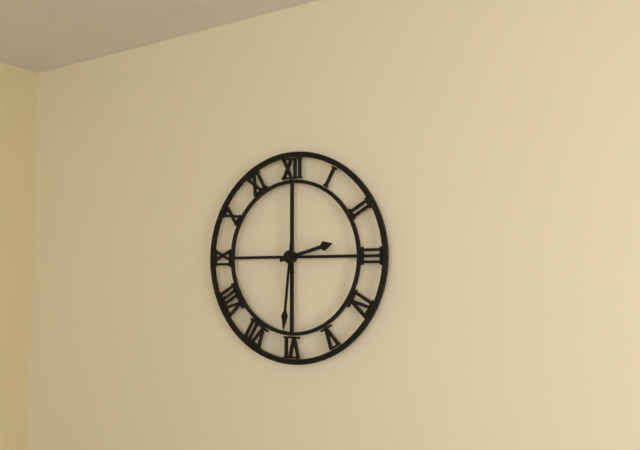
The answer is 2.31
